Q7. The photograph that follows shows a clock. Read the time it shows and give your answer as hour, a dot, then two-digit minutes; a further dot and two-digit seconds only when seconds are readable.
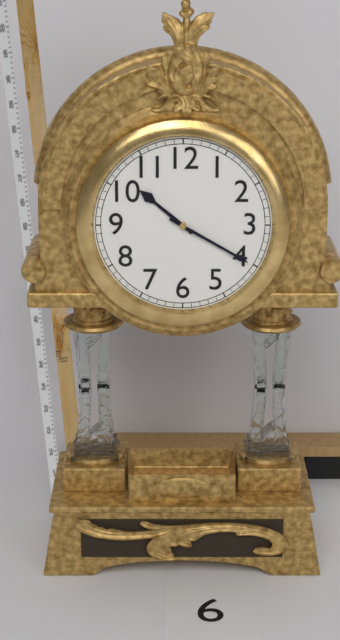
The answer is 10.20
